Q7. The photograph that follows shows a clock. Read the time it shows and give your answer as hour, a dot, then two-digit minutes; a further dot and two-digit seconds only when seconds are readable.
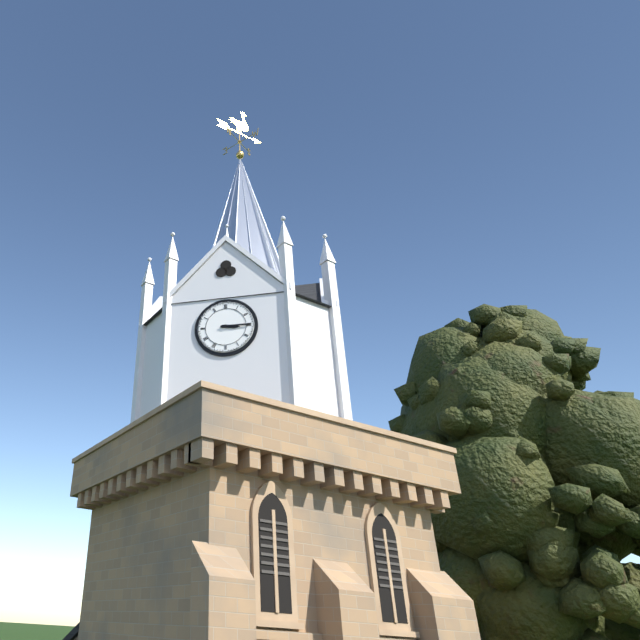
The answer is 3.15
